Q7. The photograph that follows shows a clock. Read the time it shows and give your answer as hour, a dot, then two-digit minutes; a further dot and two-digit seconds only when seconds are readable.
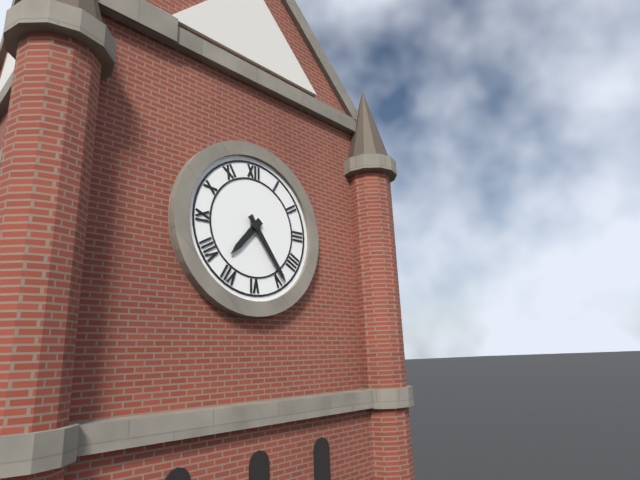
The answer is 7.24
